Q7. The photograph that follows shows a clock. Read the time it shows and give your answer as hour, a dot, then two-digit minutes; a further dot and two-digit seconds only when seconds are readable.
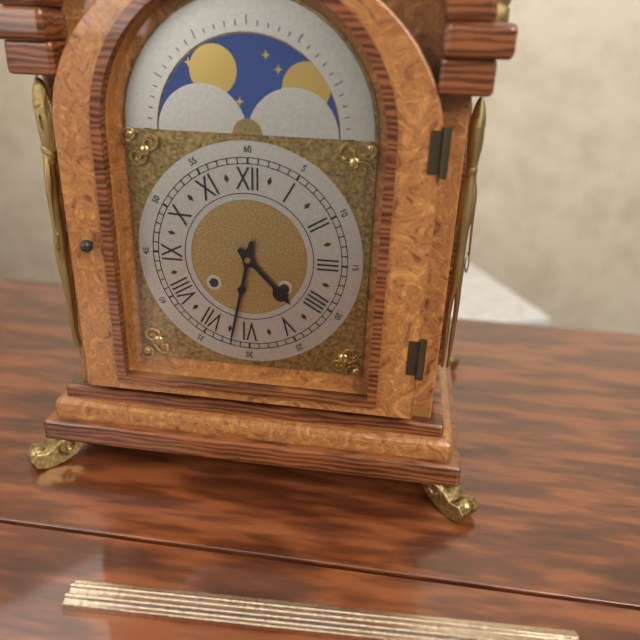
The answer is 4.32
